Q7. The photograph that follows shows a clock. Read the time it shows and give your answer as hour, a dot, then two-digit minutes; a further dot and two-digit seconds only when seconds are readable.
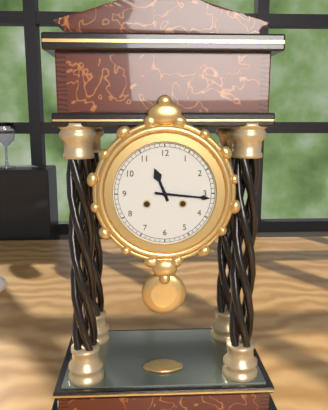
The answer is 11.16
